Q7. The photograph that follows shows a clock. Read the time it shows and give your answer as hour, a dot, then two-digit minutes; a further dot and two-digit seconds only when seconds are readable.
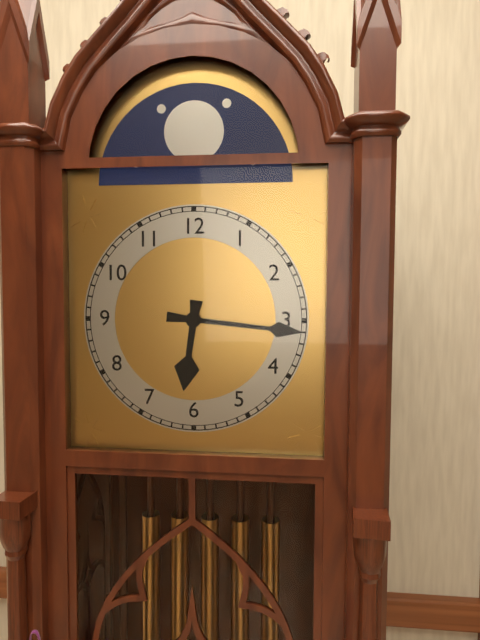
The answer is 6.16
